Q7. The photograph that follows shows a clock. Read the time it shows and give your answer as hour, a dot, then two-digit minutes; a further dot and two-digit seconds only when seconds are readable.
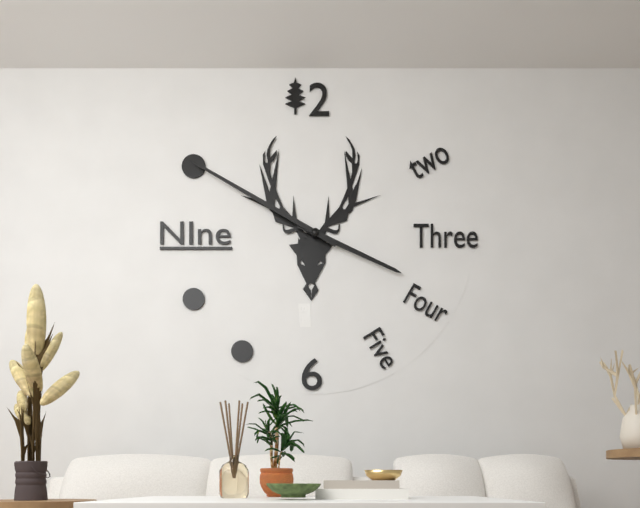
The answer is 3.50
